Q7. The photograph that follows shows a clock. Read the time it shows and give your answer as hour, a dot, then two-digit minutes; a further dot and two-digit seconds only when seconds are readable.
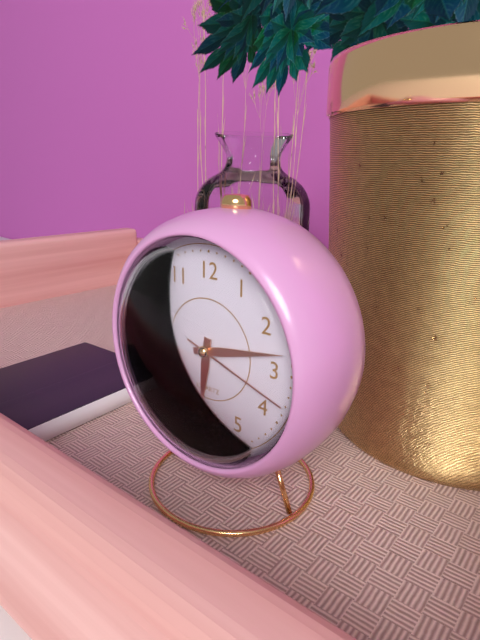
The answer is 6.13.18
